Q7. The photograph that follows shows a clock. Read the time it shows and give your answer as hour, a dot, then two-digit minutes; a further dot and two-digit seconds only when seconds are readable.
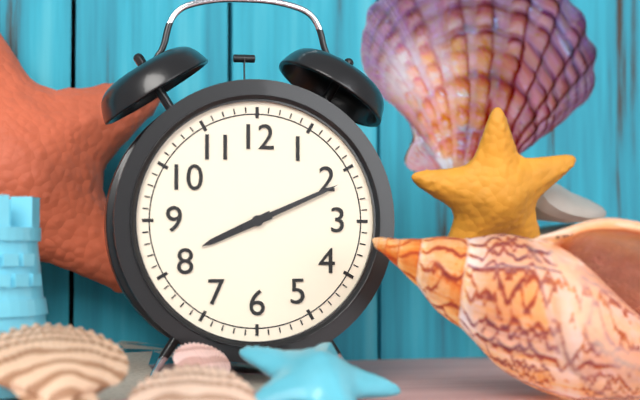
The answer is 8.11
